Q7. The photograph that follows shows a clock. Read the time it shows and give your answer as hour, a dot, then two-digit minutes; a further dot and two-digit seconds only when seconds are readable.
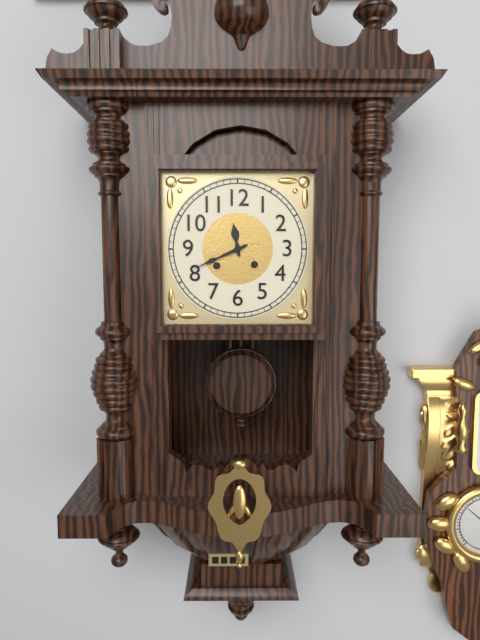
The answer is 11.41
